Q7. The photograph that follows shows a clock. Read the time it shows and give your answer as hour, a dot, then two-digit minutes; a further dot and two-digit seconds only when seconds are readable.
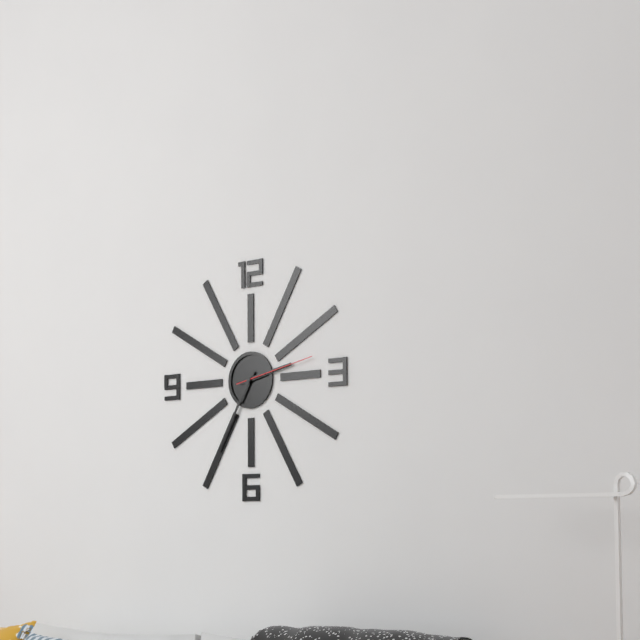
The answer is 2.35.13
